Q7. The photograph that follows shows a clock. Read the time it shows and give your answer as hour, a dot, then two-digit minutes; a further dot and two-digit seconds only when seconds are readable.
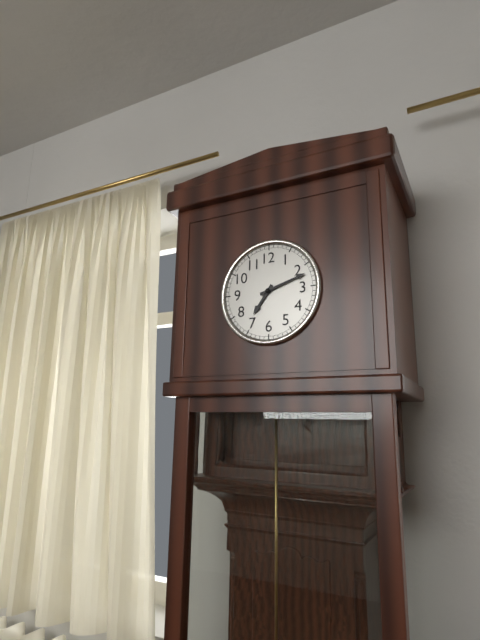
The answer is 7.12
